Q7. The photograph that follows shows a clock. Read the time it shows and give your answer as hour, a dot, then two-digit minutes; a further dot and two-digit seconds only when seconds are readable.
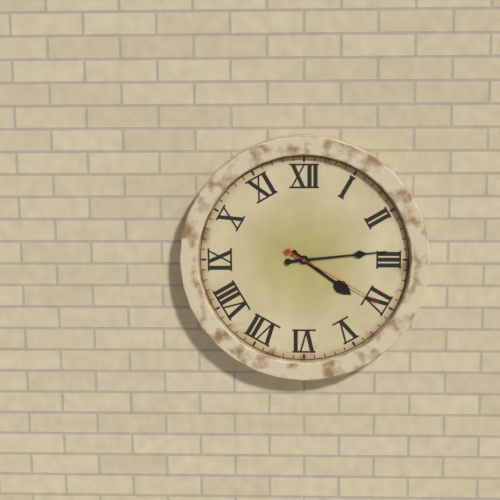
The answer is 4.14.20
